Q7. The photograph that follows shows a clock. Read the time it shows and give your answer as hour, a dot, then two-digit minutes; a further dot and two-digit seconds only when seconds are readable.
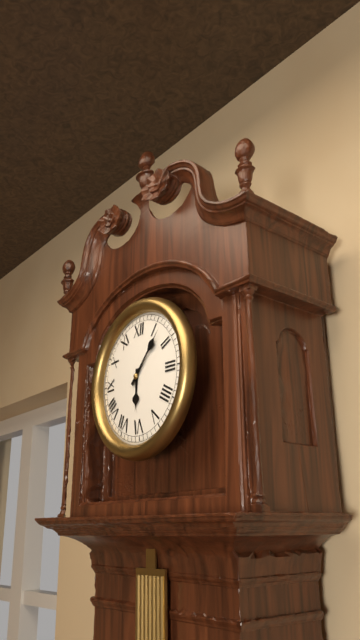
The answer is 6.07
